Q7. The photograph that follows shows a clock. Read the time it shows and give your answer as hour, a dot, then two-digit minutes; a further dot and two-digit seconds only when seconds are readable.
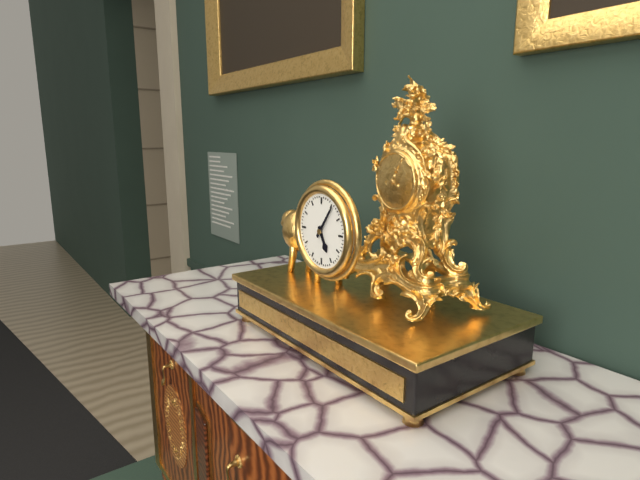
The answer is 5.06
